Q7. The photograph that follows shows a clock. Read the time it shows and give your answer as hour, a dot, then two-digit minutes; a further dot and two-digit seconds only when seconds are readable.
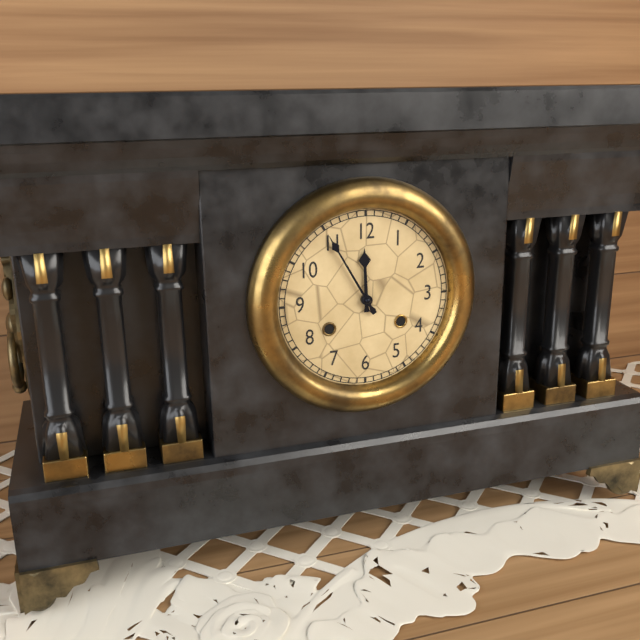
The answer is 11.55
